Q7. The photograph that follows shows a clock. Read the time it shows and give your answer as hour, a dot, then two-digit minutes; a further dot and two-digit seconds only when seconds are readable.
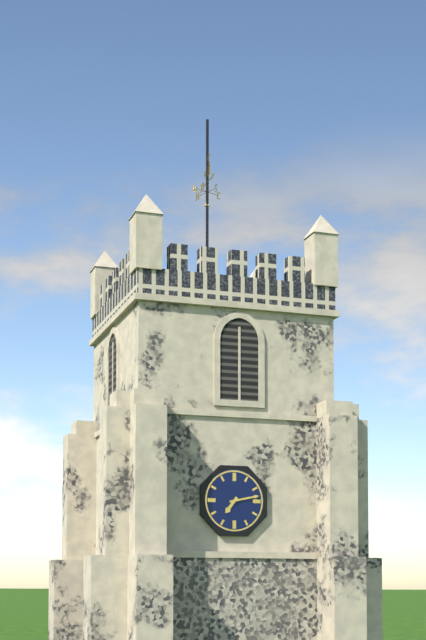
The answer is 7.13
